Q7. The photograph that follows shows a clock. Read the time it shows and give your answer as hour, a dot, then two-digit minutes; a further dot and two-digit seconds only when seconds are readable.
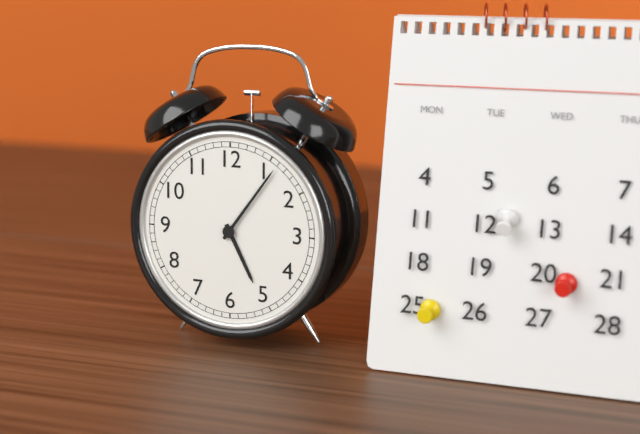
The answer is 5.06
